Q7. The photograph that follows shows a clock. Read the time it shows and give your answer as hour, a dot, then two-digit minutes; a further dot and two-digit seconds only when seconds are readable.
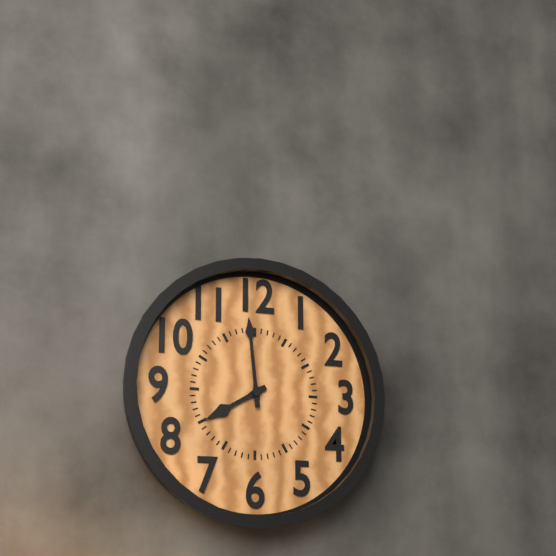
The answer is 7.59
